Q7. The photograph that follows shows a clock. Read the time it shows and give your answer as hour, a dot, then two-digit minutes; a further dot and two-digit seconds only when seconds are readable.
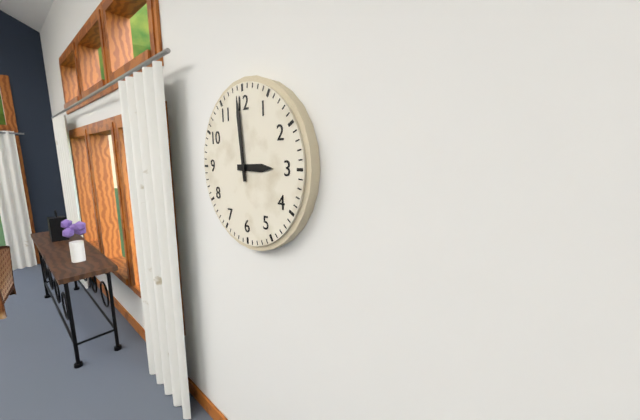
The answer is 2.59
